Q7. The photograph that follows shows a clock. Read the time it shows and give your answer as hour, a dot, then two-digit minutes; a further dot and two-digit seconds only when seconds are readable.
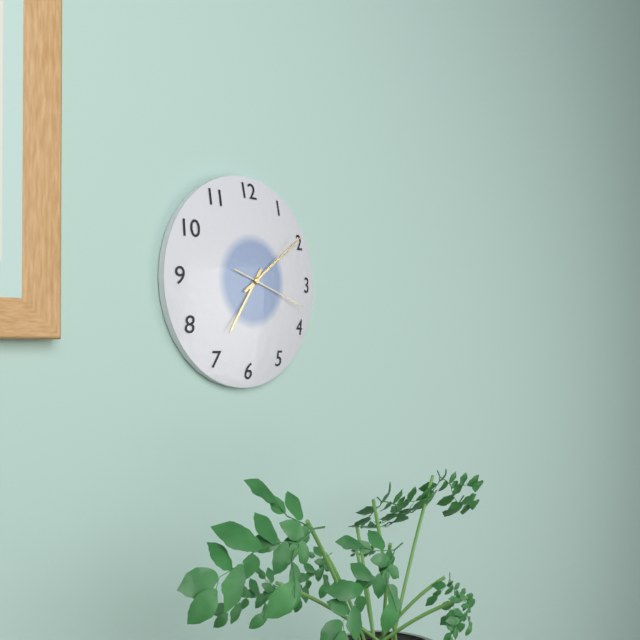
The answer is 7.09.18
